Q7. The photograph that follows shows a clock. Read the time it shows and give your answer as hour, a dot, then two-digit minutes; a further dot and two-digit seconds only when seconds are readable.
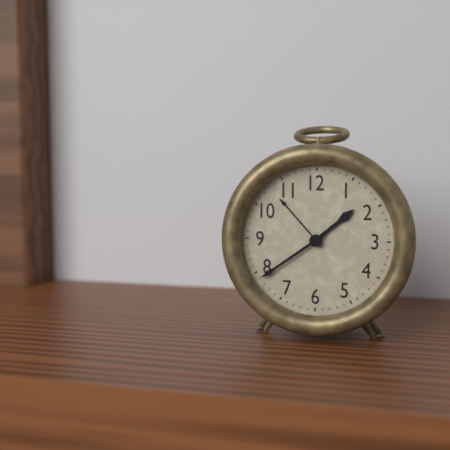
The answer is 1.39
